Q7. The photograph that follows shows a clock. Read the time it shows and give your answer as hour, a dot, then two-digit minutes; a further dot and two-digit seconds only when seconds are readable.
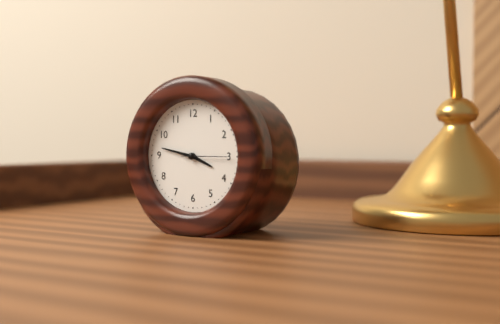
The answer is 3.47
